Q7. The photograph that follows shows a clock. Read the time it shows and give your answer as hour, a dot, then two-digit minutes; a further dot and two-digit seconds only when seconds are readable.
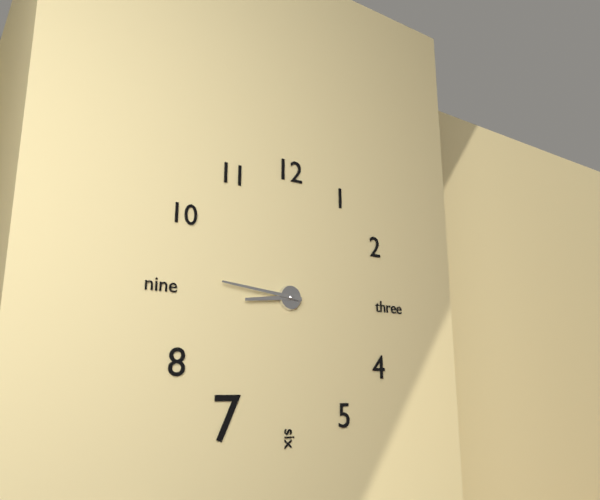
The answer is 8.46
